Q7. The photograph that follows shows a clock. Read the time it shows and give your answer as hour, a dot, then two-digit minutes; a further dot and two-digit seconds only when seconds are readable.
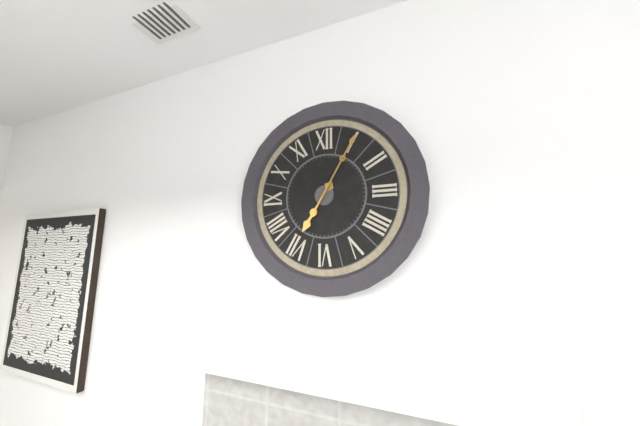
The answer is 7.05
